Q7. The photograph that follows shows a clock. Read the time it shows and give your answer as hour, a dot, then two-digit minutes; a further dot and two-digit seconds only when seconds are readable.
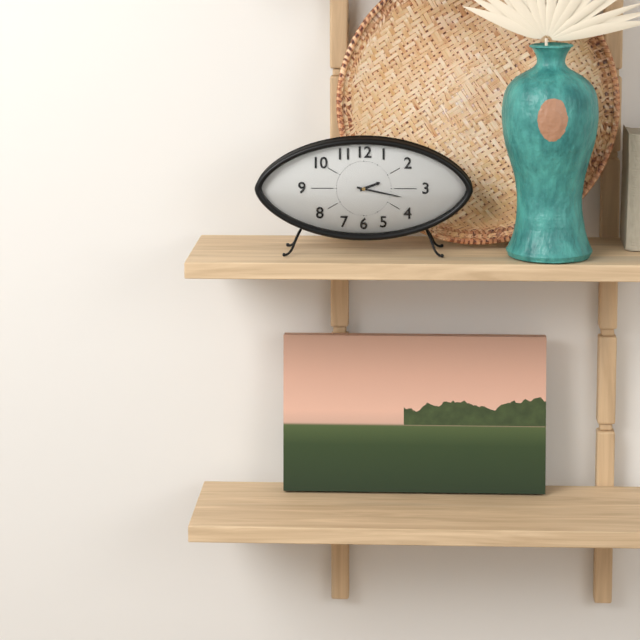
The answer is 2.17
